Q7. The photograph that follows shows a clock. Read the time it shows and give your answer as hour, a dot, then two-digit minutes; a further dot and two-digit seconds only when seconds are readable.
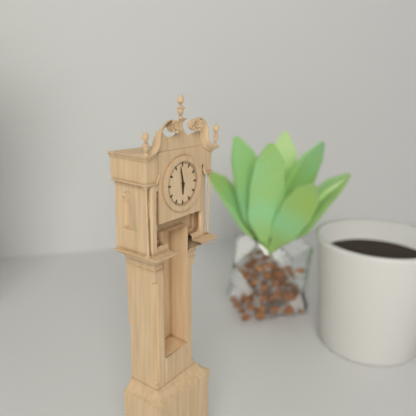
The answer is 5.58
